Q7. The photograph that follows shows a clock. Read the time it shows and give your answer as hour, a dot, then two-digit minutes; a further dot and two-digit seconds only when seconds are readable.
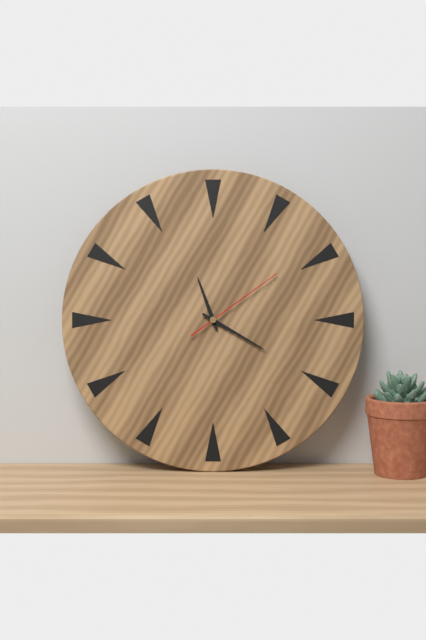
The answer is 11.20.09
